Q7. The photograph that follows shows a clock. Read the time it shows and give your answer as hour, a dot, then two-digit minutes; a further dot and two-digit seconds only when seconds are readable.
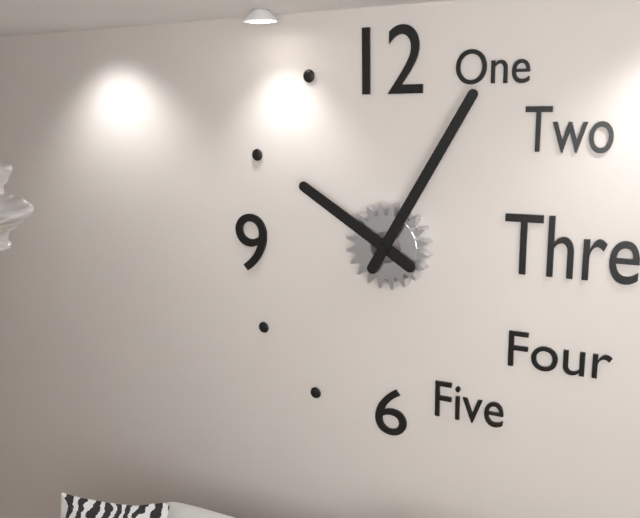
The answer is 10.05
